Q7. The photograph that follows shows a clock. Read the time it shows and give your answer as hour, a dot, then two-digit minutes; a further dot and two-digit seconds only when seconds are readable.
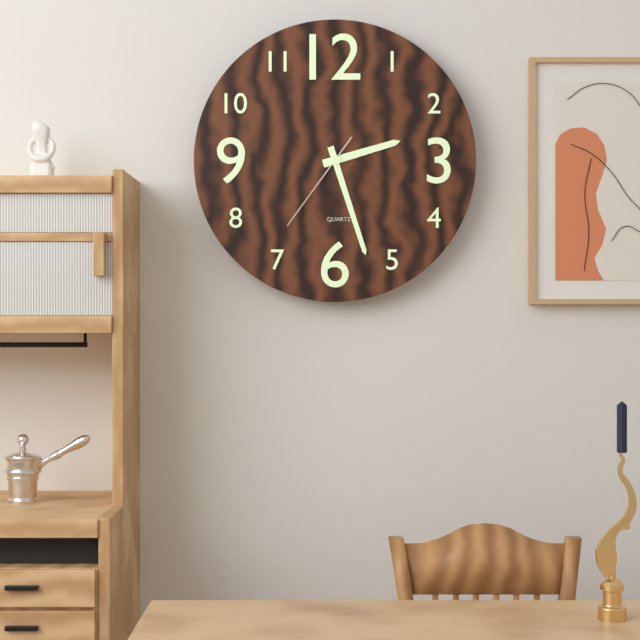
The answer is 2.27.36
